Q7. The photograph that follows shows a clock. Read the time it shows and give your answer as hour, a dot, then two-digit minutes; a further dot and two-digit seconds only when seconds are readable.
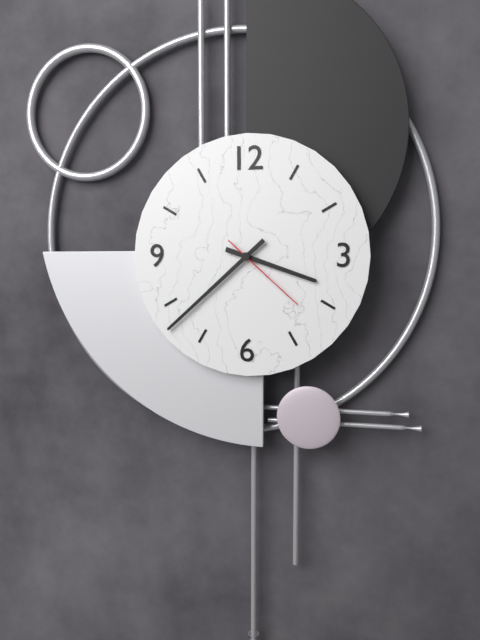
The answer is 3.38.22
